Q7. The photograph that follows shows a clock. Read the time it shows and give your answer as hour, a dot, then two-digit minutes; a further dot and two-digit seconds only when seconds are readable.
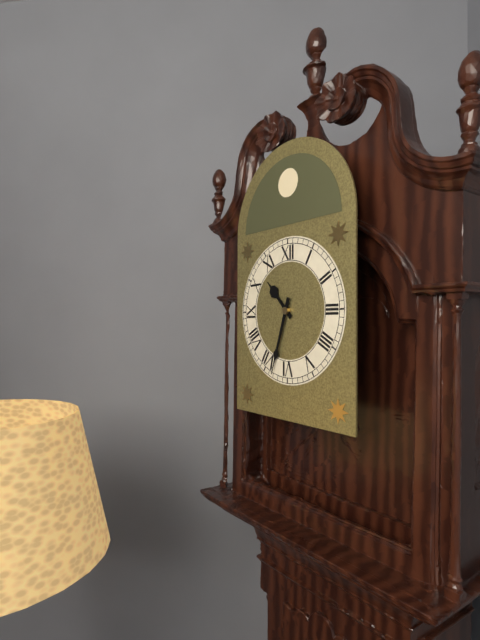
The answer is 10.33
